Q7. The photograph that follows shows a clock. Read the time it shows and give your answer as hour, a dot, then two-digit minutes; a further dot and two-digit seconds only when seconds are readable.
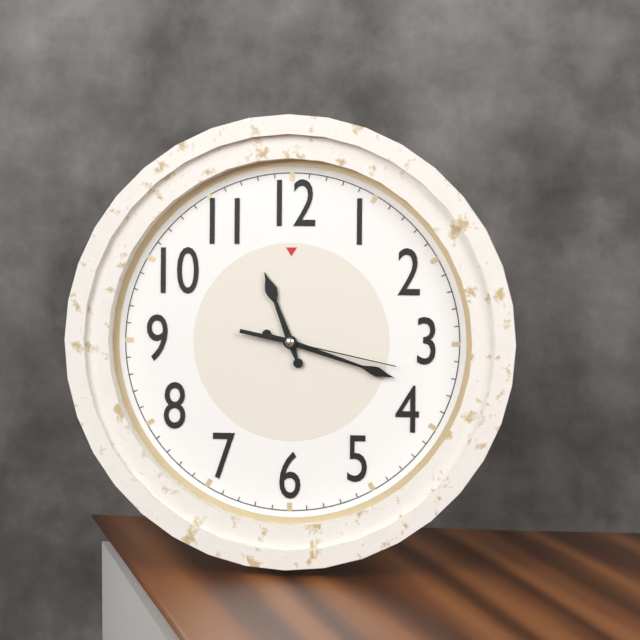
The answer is 11.18.17
